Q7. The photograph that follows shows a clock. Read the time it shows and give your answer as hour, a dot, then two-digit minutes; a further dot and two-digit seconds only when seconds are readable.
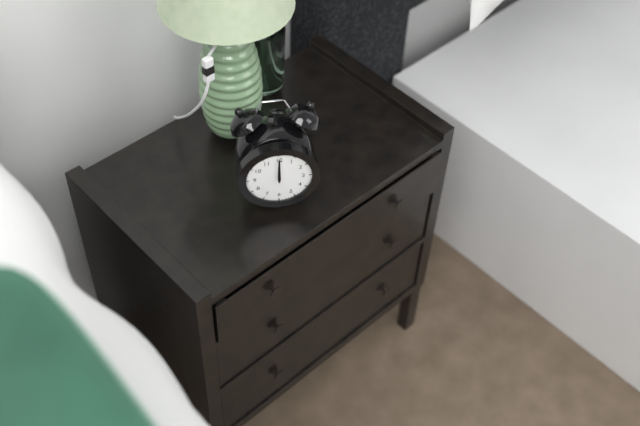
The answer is 12.00
